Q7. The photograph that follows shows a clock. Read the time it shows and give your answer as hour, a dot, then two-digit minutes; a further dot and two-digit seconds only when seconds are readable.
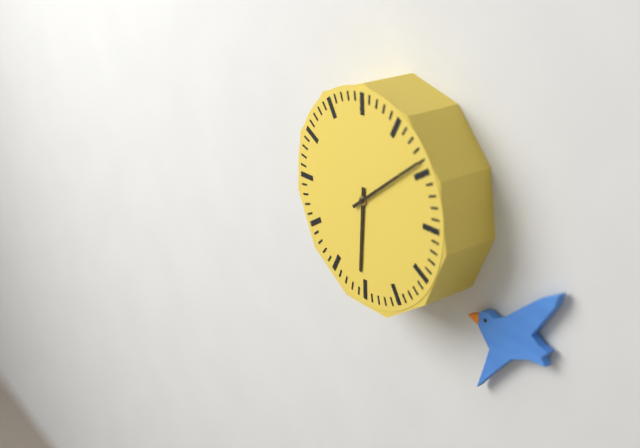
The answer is 6.09
